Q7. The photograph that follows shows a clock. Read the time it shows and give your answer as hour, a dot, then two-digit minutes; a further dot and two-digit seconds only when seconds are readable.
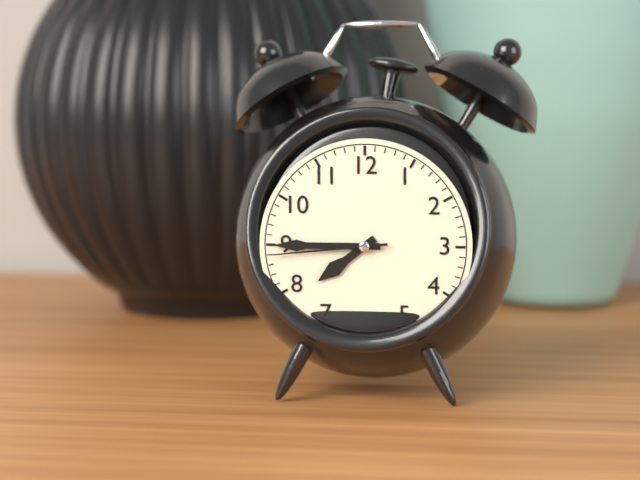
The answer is 7.45.44
